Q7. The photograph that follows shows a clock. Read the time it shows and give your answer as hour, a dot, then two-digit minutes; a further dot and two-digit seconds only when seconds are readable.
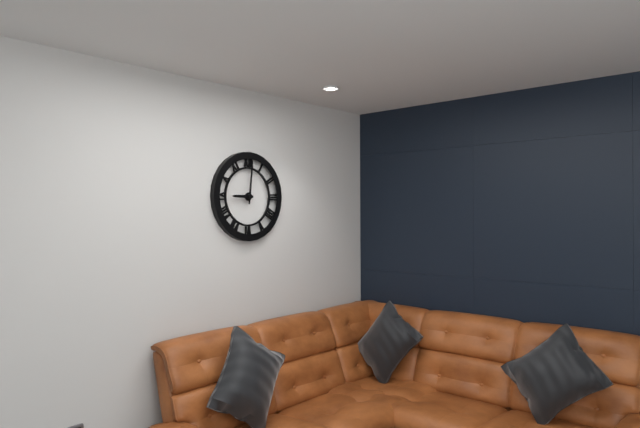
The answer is 9.01
